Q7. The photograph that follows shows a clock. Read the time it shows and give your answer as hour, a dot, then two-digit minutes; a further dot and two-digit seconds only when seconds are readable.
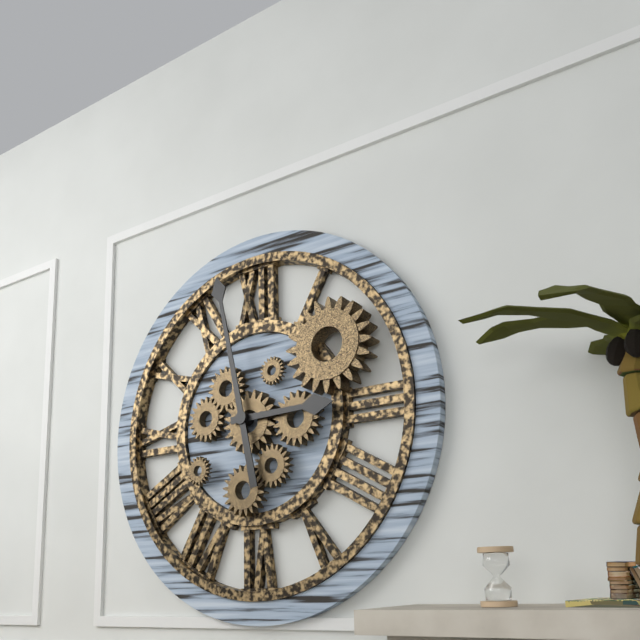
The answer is 2.58
